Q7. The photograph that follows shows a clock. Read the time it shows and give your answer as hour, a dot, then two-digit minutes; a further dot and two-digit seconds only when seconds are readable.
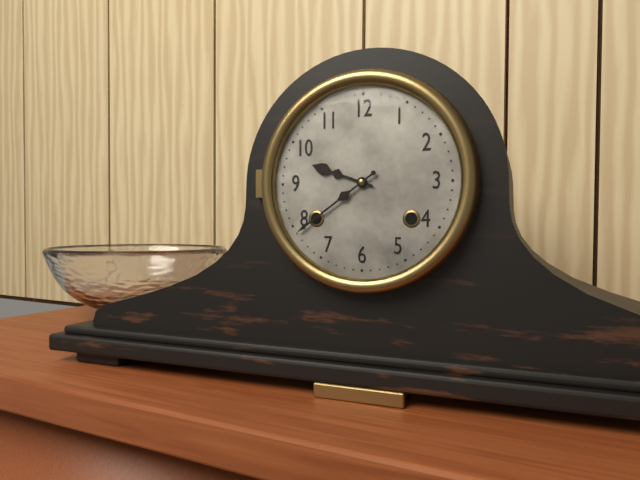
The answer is 9.39
